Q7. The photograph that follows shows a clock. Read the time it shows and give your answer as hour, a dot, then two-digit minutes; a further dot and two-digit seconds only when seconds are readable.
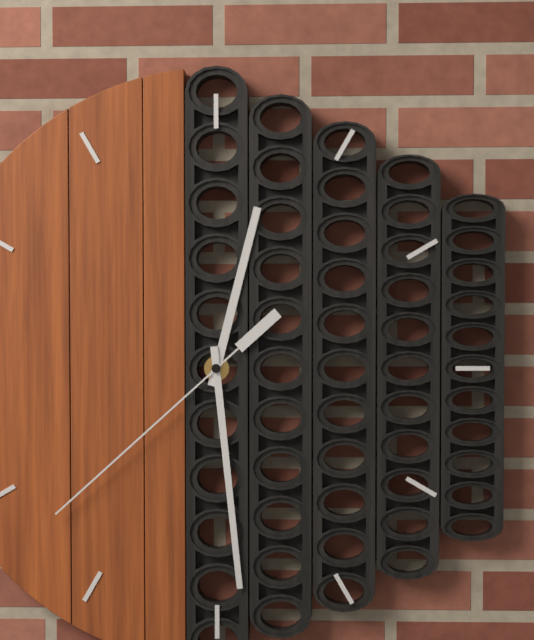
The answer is 12.29.38
